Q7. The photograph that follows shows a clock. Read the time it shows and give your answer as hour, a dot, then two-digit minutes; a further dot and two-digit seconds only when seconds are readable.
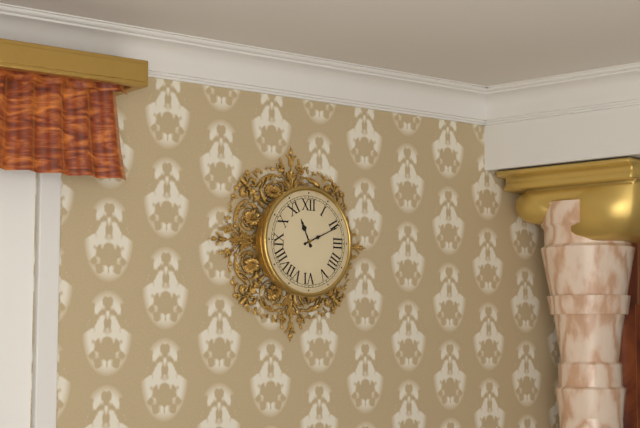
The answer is 11.11
